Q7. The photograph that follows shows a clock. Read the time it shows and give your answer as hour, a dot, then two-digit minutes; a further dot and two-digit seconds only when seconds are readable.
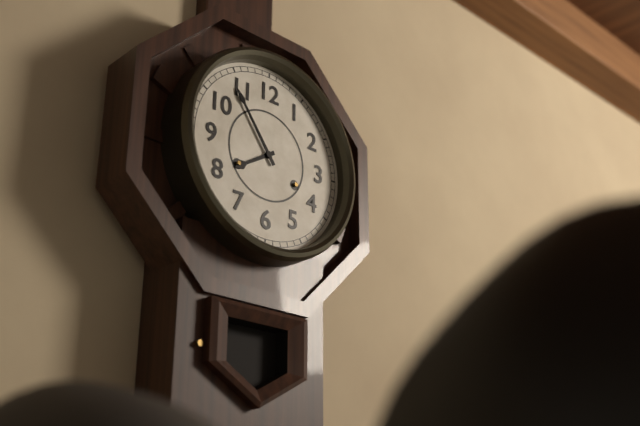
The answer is 7.54
